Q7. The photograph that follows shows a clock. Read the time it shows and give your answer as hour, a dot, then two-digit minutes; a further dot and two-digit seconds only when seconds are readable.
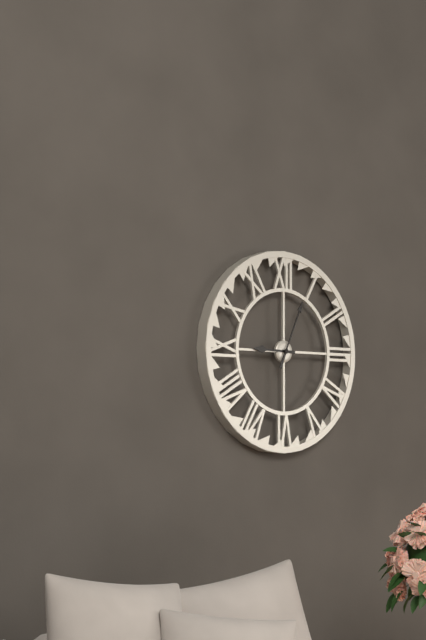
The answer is 9.04
